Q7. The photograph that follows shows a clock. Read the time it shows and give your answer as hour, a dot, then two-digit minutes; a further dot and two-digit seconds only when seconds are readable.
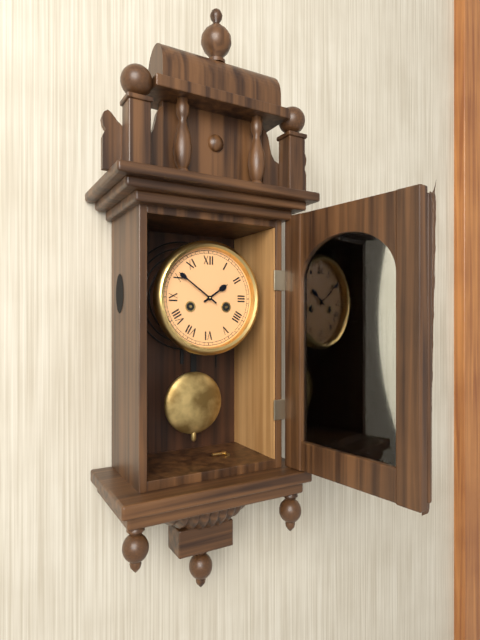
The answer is 1.51
